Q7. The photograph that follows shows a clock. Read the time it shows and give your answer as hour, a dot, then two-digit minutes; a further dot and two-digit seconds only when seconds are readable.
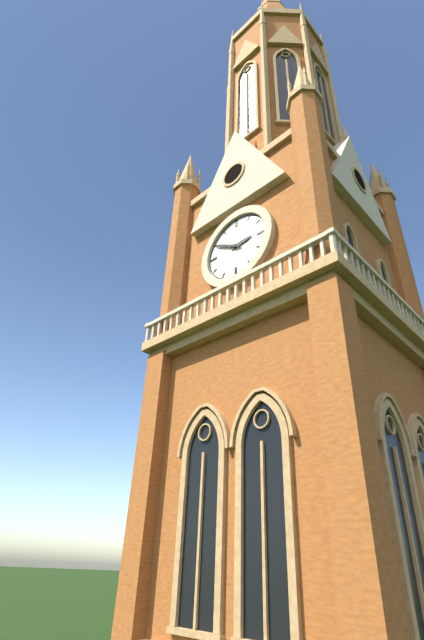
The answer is 2.50
